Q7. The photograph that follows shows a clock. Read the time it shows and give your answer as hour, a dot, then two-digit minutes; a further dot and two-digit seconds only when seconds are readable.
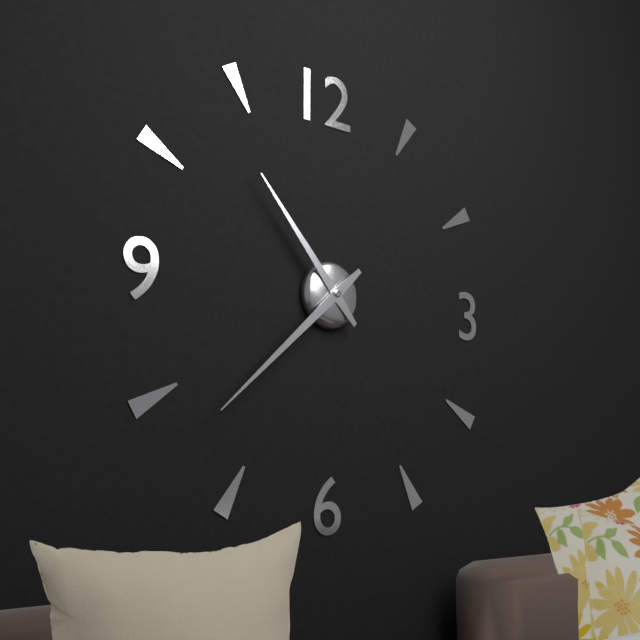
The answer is 10.38
